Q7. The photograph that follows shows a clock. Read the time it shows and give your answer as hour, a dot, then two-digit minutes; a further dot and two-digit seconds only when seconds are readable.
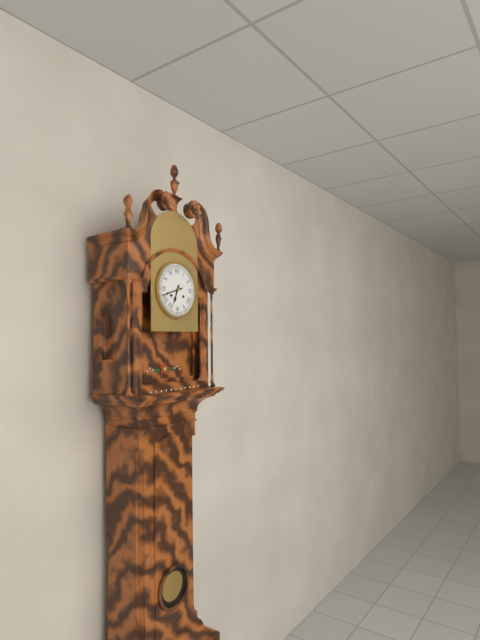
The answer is 6.42
